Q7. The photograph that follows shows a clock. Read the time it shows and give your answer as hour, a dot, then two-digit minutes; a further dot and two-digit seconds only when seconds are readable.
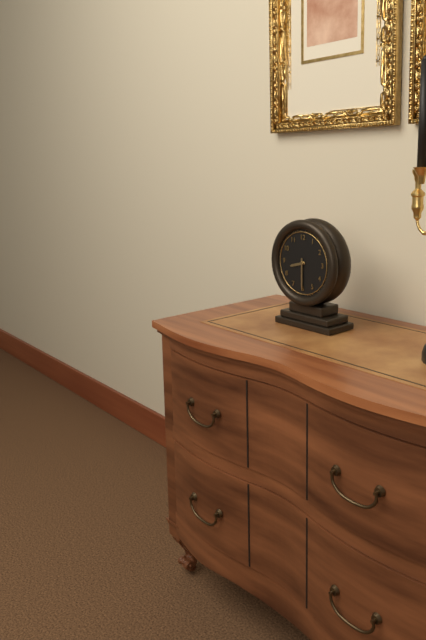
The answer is 8.30
